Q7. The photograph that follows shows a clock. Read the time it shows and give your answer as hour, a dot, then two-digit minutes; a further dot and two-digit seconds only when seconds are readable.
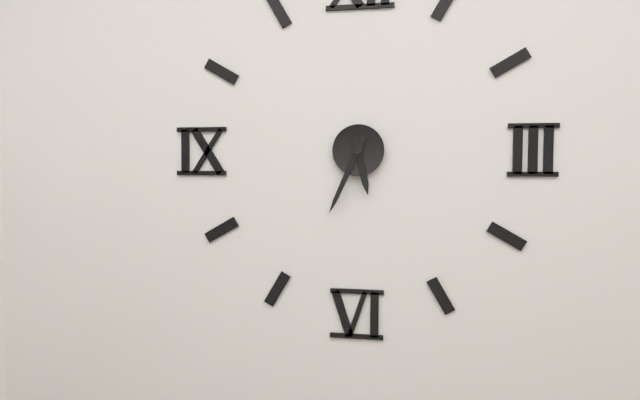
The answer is 5.34
